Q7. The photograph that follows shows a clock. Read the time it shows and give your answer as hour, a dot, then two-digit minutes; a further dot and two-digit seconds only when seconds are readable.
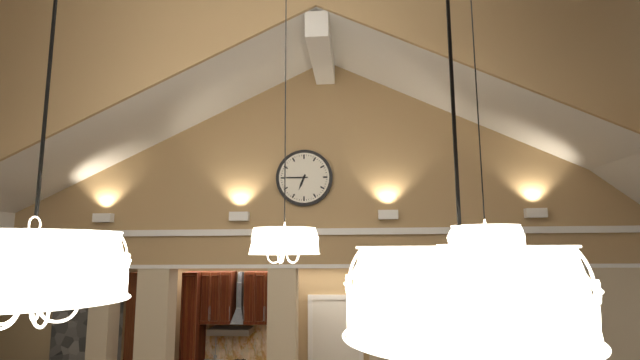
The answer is 6.45
